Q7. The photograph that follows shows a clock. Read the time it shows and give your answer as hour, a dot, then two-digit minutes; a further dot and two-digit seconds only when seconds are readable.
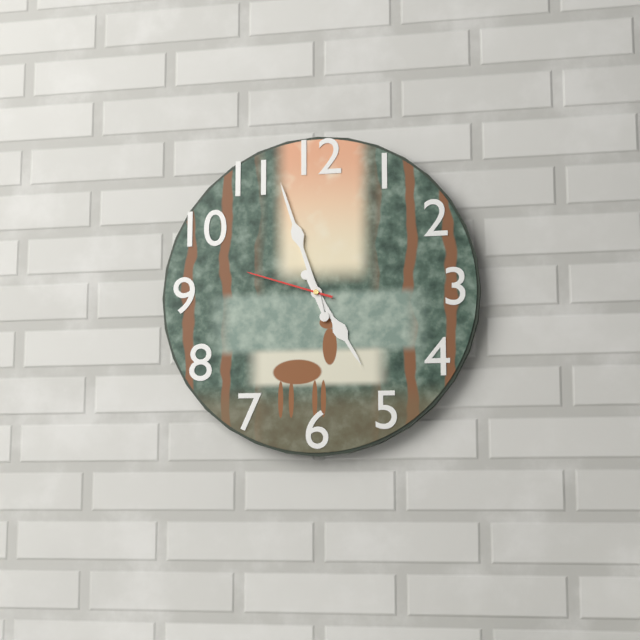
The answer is 4.57.48
